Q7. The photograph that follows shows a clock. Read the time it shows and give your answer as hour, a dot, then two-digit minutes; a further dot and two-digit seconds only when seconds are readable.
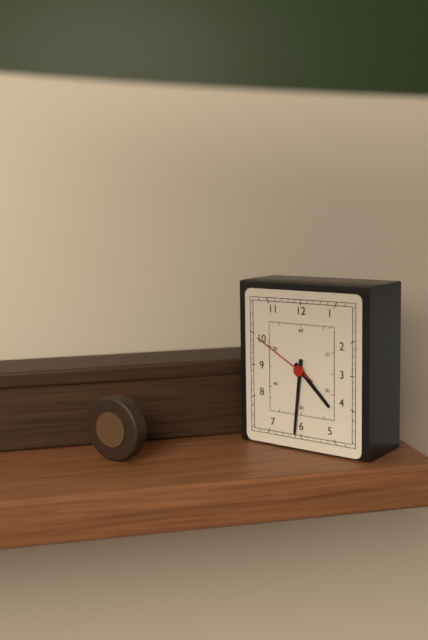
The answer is 4.31.50
